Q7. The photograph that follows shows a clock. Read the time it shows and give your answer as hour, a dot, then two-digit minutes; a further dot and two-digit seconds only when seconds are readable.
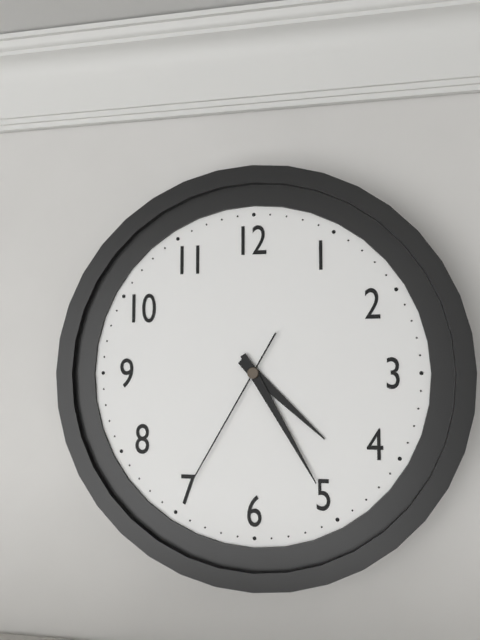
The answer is 4.25.35
